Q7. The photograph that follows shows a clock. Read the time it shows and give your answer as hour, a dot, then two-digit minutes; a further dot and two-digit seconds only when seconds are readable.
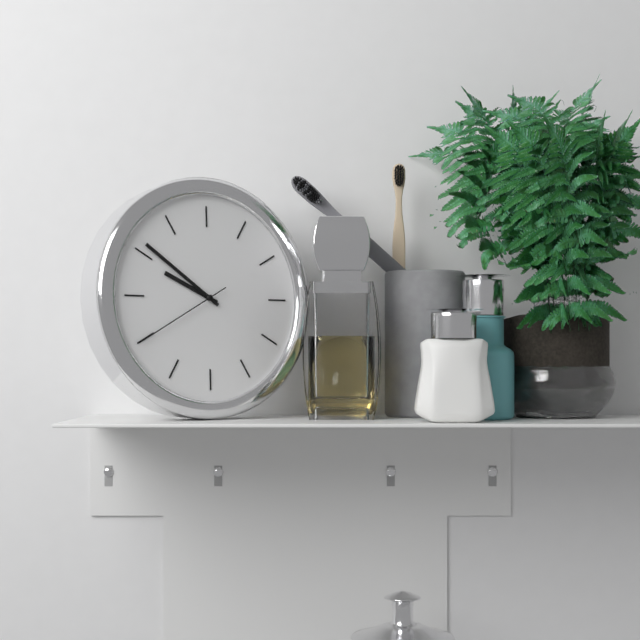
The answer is 9.51.40
